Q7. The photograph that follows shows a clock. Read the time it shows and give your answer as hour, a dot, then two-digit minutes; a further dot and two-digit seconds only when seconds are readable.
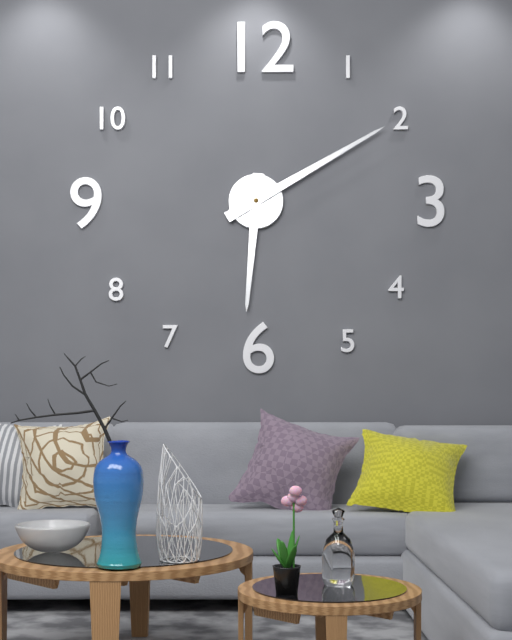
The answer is 6.10
